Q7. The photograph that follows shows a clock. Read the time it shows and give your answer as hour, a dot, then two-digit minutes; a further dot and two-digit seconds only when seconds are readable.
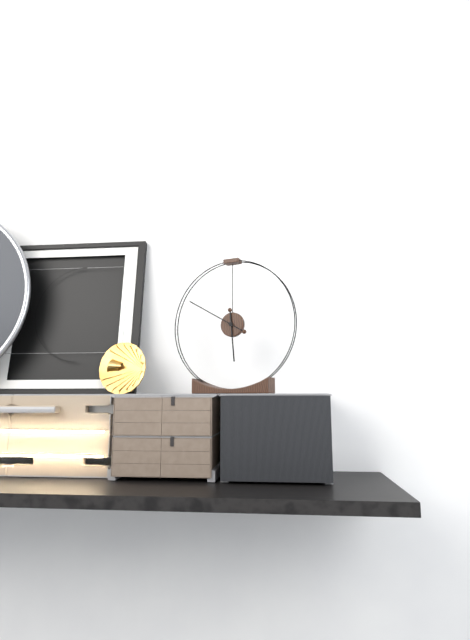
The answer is 5.50
